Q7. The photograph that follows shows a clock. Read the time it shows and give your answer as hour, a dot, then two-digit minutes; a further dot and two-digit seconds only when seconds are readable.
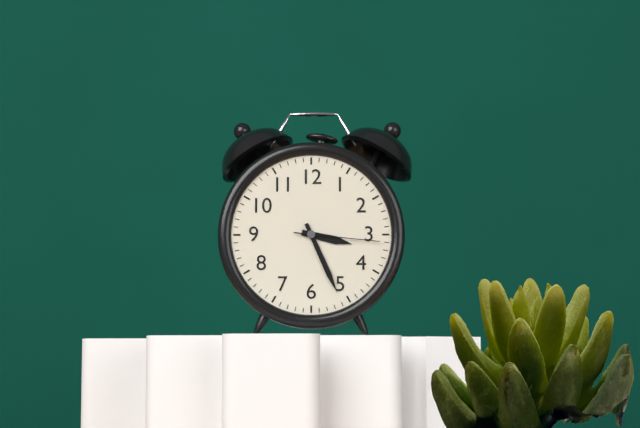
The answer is 3.26.16
